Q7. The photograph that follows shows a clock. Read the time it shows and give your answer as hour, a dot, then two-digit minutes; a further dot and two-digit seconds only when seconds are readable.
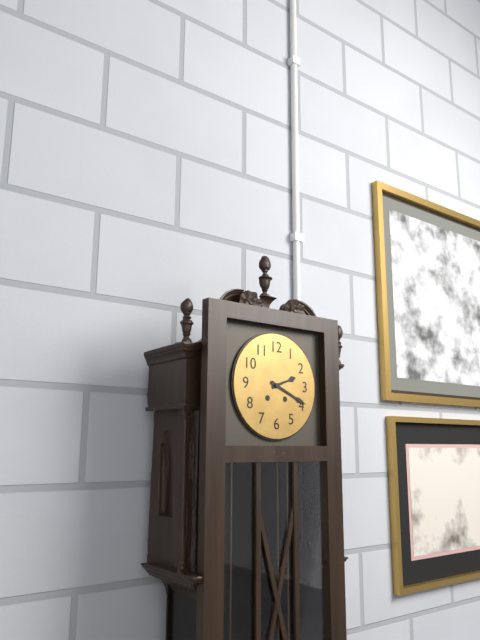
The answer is 2.19
